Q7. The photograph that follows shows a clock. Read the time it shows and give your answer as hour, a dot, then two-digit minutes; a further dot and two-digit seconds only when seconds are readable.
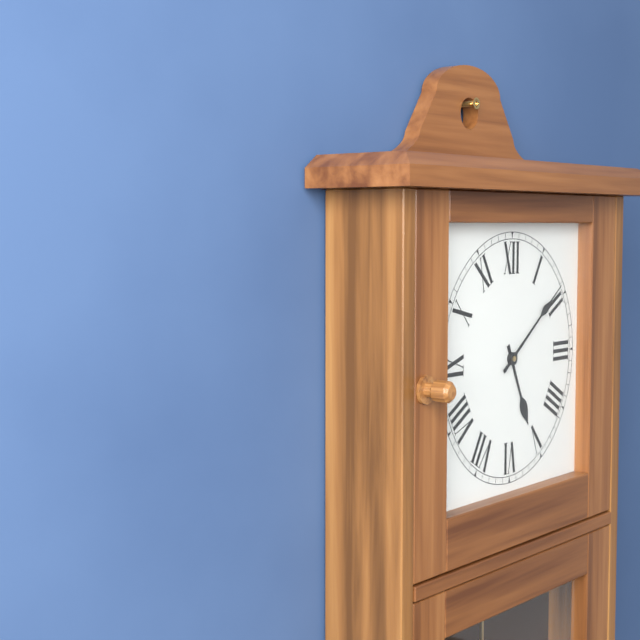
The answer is 5.09
